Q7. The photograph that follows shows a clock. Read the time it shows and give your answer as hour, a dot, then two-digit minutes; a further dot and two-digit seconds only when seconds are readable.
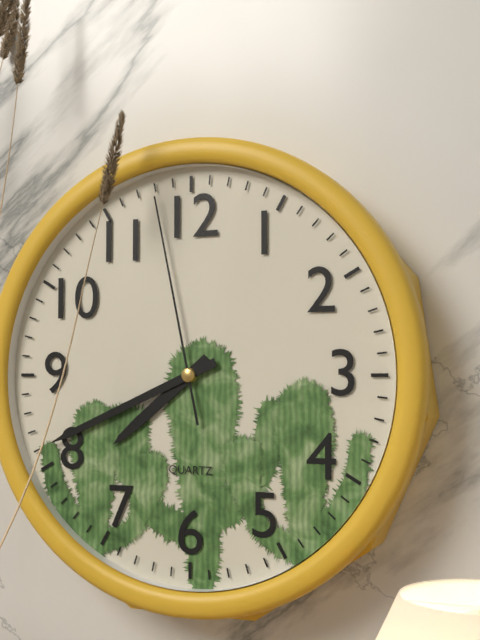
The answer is 7.41.58
